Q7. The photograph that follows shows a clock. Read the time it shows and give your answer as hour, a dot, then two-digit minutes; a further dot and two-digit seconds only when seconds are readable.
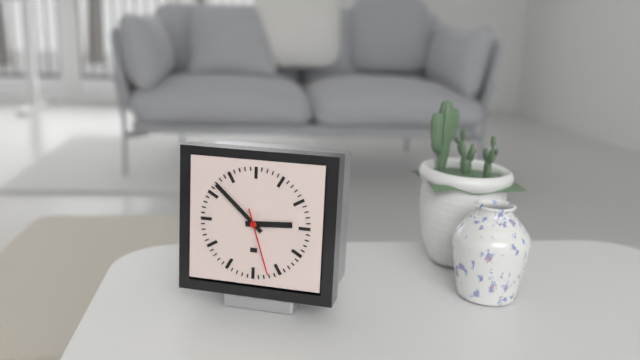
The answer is 2.52.27
